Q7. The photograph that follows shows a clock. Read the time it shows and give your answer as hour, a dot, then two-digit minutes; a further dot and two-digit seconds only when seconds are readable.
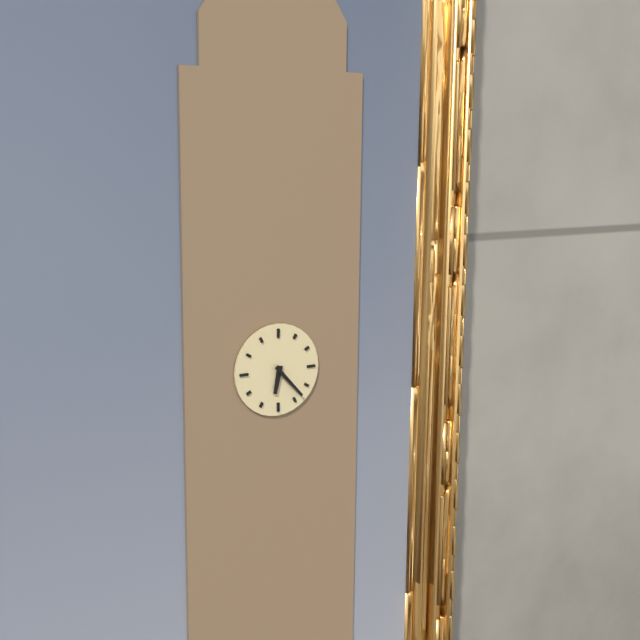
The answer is 6.23
